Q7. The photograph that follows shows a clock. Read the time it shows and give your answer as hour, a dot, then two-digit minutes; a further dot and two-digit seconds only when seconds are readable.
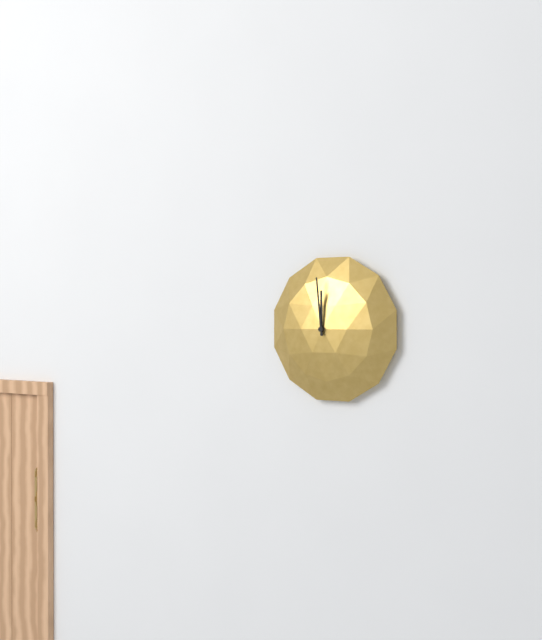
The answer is 11.59
